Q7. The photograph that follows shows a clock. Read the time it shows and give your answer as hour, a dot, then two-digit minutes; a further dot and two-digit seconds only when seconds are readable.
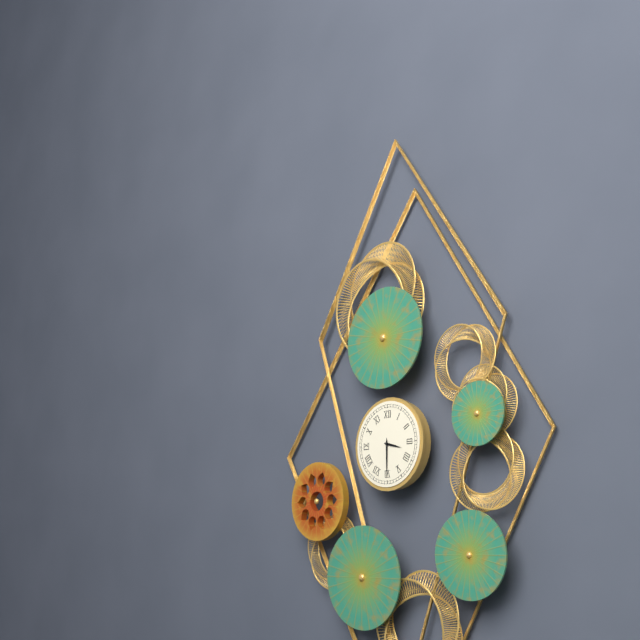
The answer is 3.30
